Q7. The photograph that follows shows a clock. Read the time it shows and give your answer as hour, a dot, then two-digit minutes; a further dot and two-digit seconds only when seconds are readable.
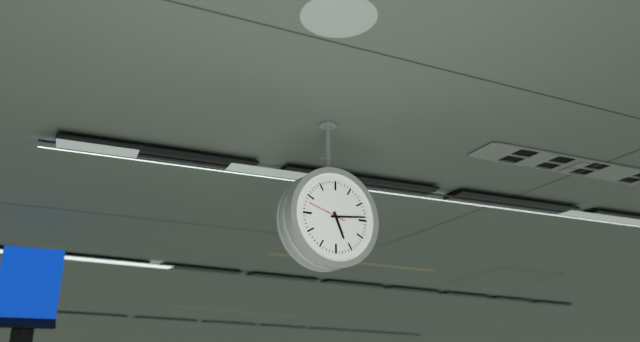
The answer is 5.14
